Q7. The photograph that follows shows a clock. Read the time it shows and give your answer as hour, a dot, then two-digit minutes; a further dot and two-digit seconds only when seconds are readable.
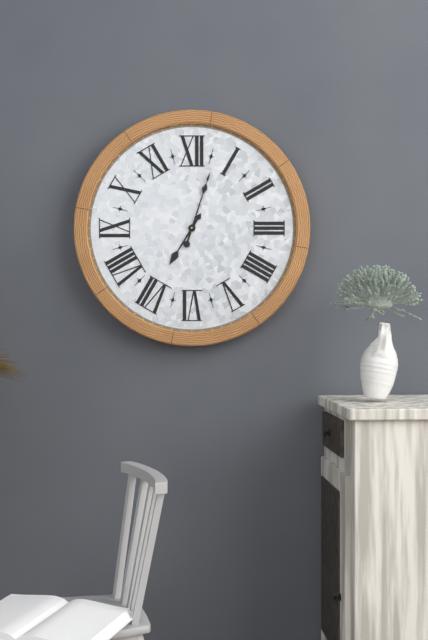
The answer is 7.03
